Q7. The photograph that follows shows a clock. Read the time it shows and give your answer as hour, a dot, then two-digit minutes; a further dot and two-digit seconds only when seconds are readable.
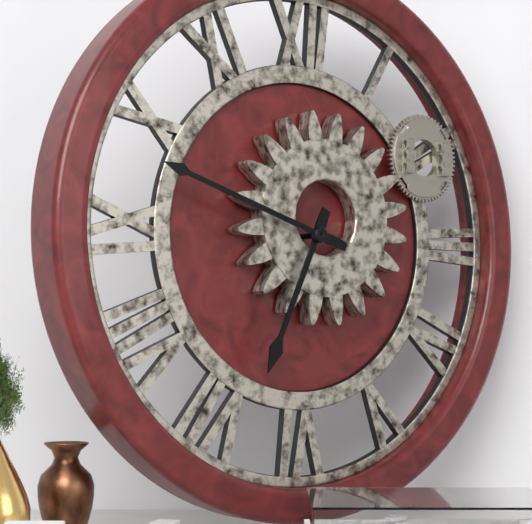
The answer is 6.48
